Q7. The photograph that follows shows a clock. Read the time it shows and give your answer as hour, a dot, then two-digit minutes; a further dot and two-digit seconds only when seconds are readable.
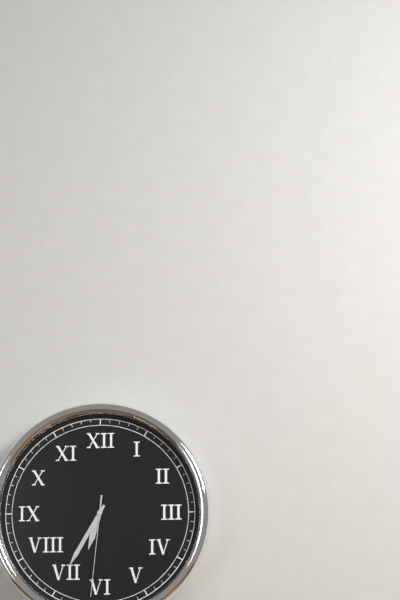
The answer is 6.35.31
